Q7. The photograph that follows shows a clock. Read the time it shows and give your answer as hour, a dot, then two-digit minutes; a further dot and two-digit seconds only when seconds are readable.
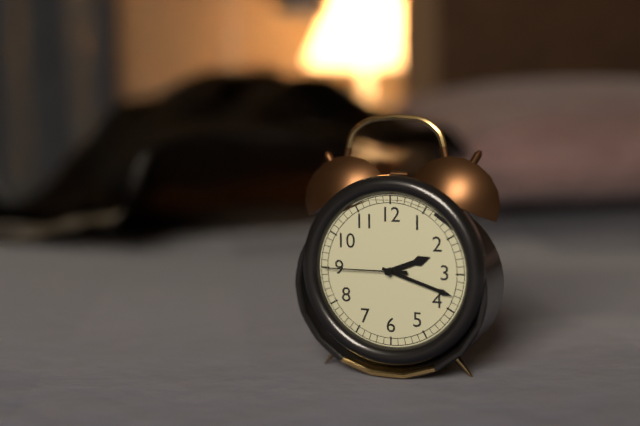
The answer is 2.18.45
